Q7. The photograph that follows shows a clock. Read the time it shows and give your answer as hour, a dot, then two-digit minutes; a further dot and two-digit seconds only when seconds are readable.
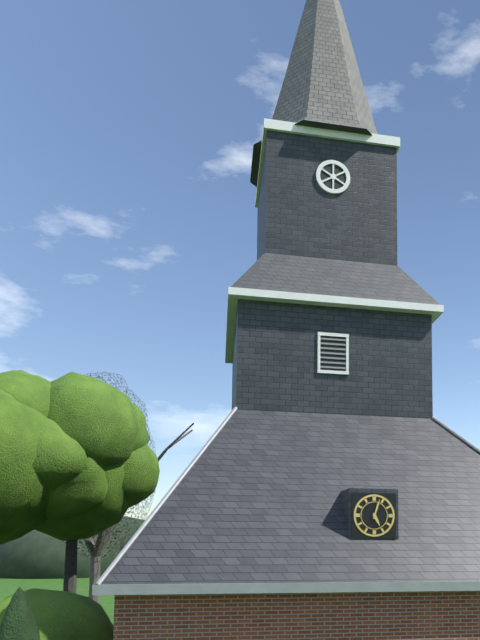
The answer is 5.03
